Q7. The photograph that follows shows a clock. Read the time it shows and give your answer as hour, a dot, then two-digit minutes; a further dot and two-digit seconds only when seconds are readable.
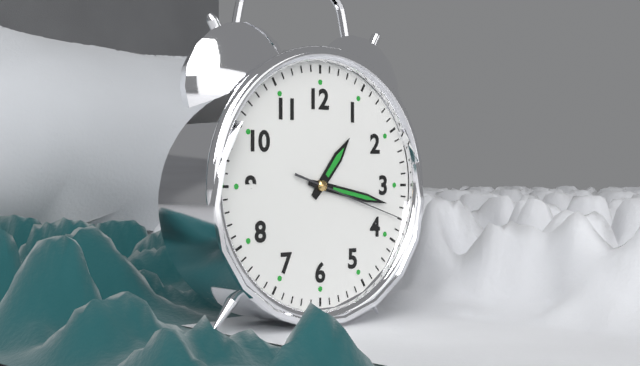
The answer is 1.17.18
